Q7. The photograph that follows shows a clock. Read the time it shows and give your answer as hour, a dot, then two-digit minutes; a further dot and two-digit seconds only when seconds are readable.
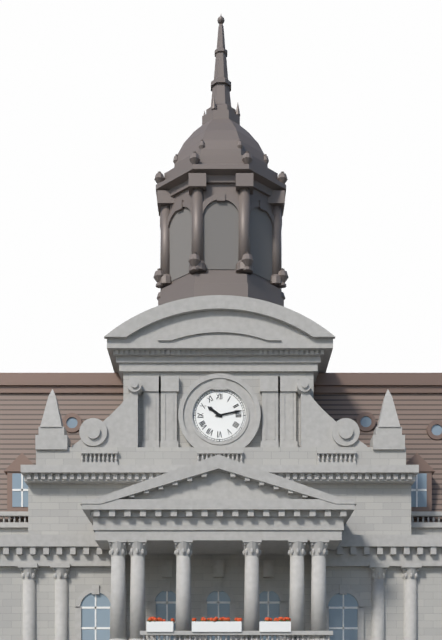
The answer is 10.13
